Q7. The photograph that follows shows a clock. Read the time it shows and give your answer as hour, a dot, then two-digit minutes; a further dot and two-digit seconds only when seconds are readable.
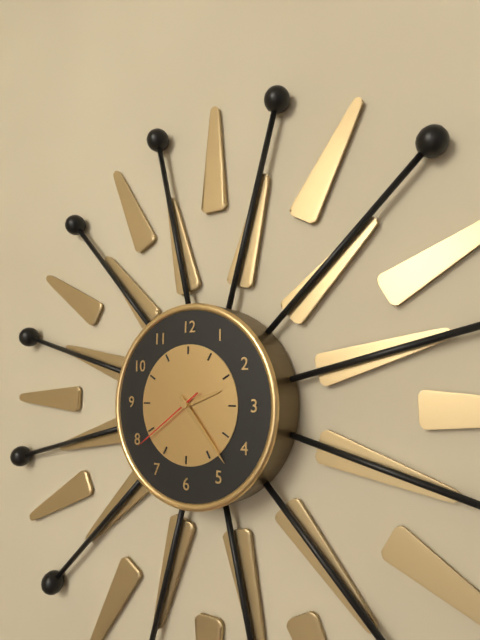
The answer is 2.23.39
